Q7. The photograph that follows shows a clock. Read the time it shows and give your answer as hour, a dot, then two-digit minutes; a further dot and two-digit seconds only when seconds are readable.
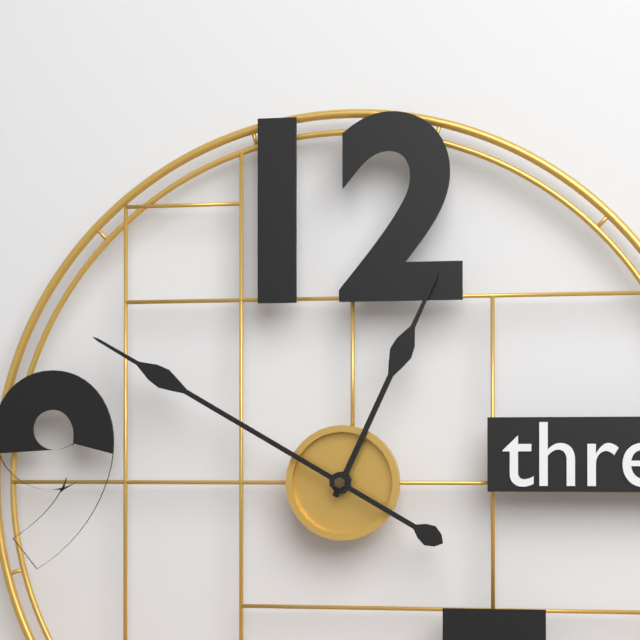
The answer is 12.50
